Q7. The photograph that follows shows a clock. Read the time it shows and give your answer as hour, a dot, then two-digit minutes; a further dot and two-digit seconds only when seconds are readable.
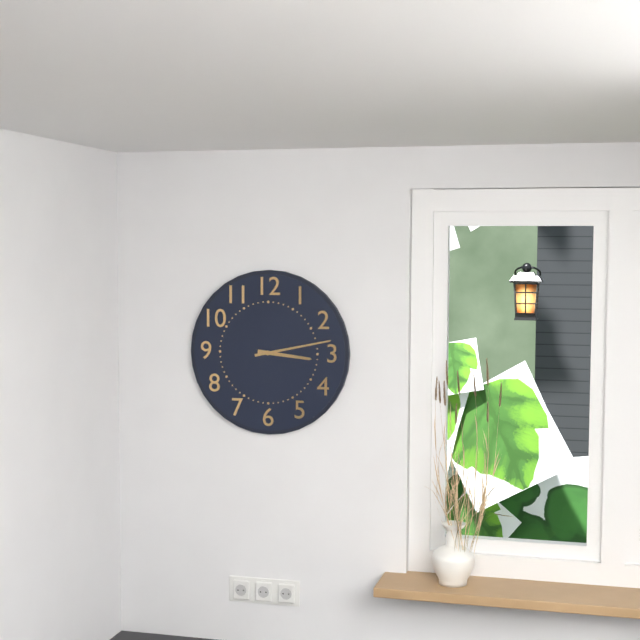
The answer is 3.13
